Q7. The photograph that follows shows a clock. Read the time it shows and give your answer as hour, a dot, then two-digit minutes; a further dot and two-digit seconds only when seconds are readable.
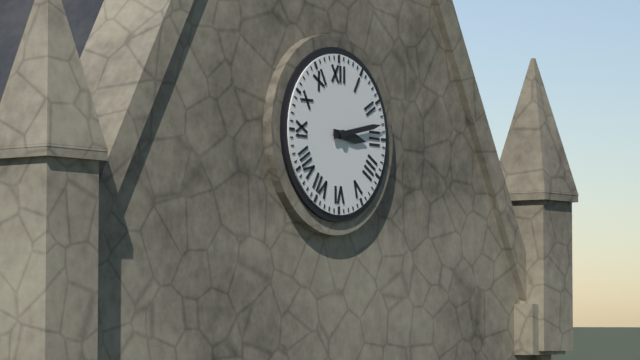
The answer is 3.13
